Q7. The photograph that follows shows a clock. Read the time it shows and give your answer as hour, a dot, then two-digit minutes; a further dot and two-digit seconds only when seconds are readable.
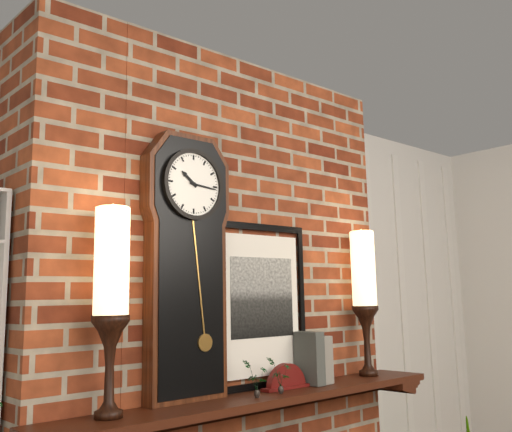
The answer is 10.16
